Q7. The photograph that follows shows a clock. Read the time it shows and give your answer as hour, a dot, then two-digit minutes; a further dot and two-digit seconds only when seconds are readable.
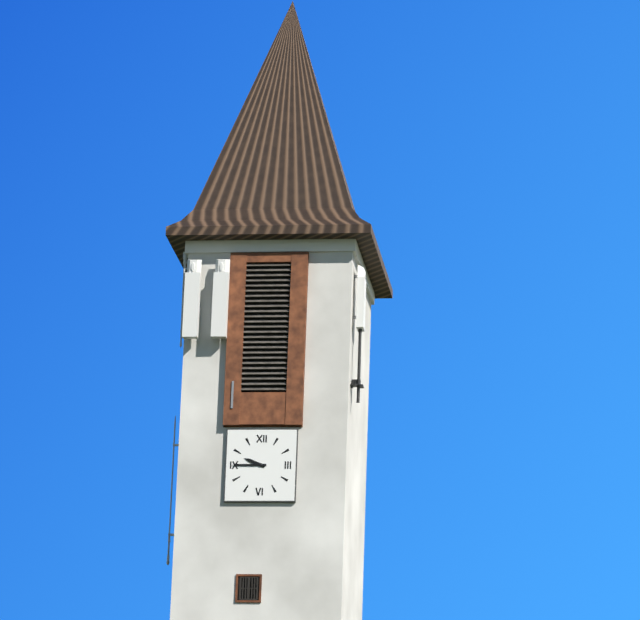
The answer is 9.45
